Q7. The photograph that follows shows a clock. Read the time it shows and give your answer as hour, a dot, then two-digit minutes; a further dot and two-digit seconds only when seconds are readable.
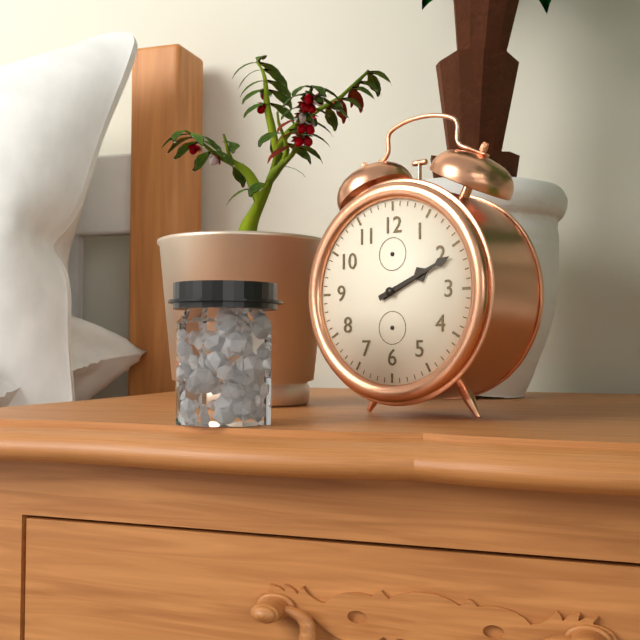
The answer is 2.11
